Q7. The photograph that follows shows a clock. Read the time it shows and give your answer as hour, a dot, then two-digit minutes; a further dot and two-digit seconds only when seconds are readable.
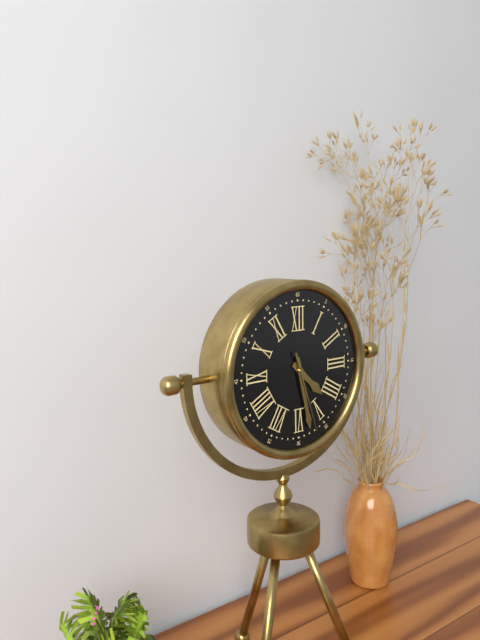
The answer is 4.28.27
